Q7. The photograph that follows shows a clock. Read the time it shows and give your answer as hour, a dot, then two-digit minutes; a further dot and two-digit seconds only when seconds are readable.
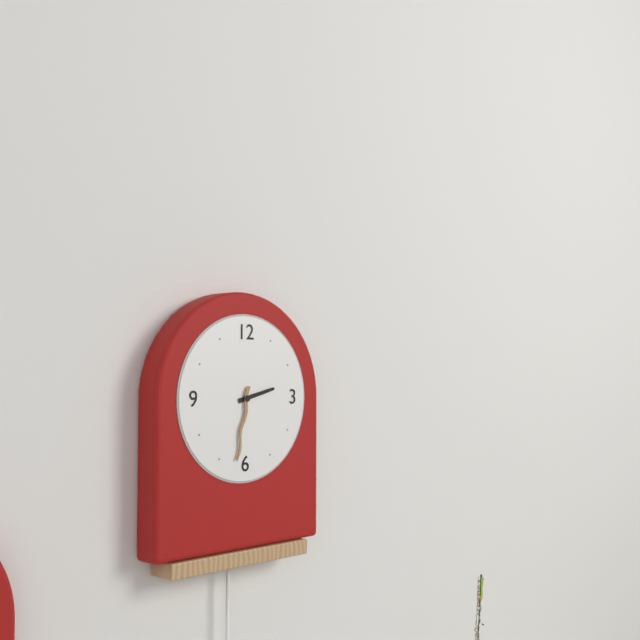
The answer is 2.32
